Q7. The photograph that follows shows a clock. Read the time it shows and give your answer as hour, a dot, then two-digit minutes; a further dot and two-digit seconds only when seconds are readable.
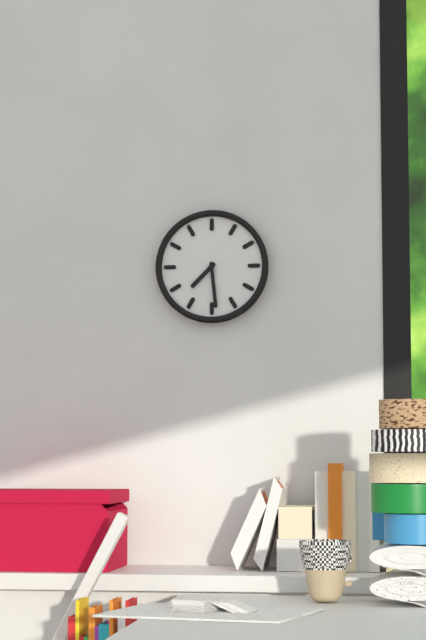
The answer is 7.29
